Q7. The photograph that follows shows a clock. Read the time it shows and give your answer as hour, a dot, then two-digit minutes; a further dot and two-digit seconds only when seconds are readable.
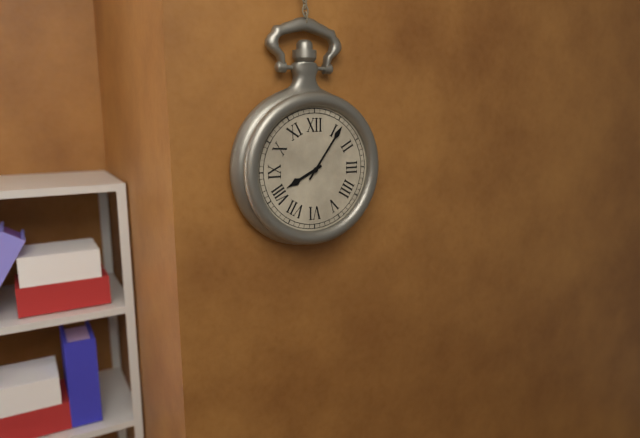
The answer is 8.06
